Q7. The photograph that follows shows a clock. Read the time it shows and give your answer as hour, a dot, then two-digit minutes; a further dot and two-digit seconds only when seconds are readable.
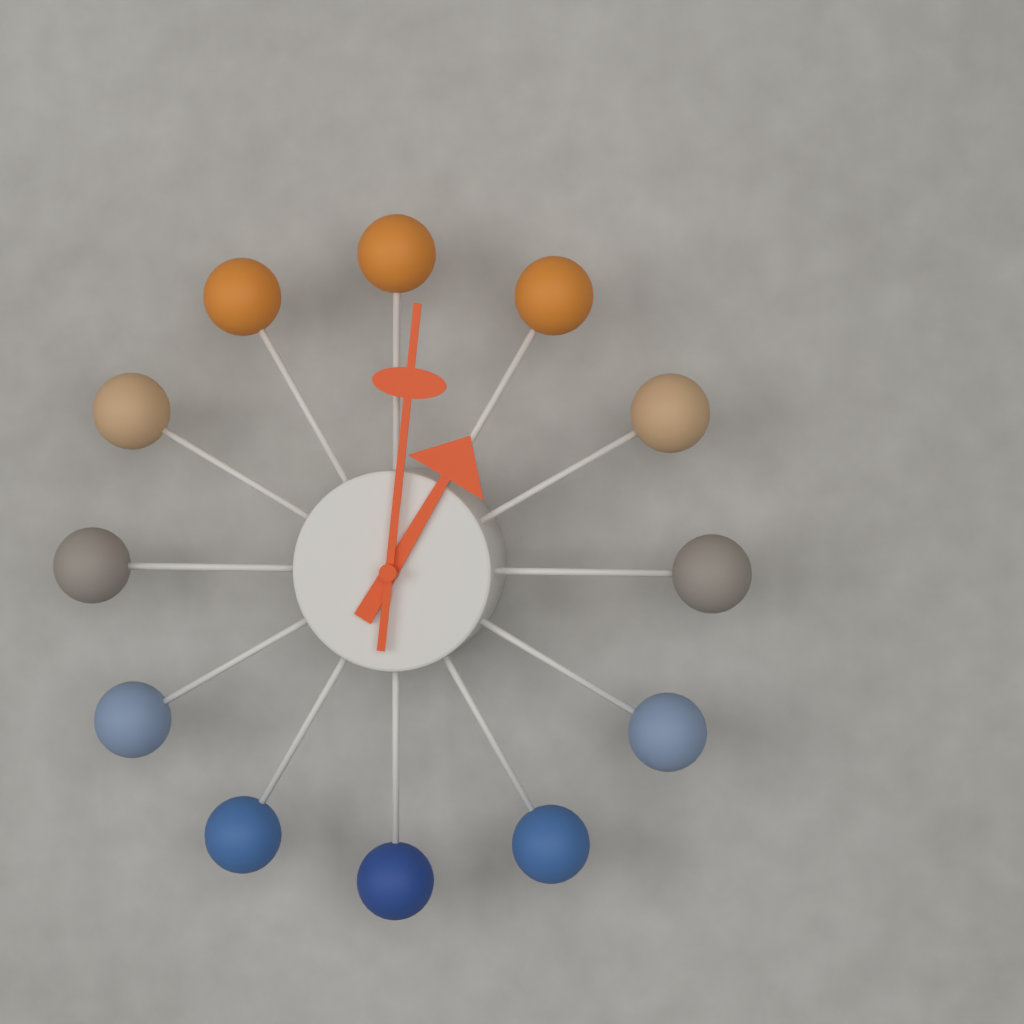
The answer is 1.01
